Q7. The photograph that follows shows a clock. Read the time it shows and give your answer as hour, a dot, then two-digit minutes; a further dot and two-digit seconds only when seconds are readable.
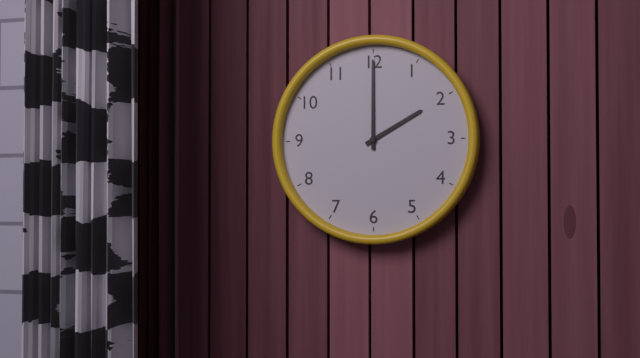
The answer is 2.00
